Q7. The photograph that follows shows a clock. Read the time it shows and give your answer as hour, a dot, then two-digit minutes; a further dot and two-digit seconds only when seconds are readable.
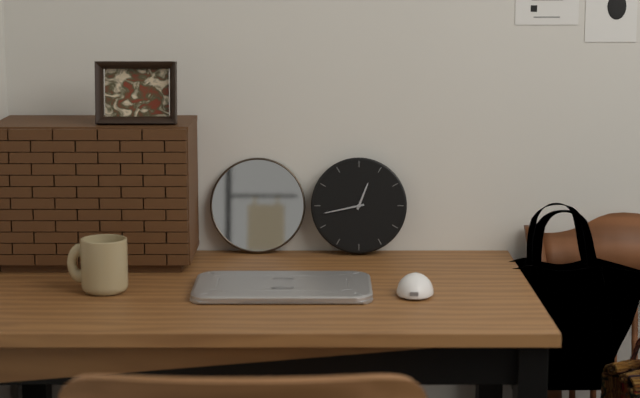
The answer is 12.43
